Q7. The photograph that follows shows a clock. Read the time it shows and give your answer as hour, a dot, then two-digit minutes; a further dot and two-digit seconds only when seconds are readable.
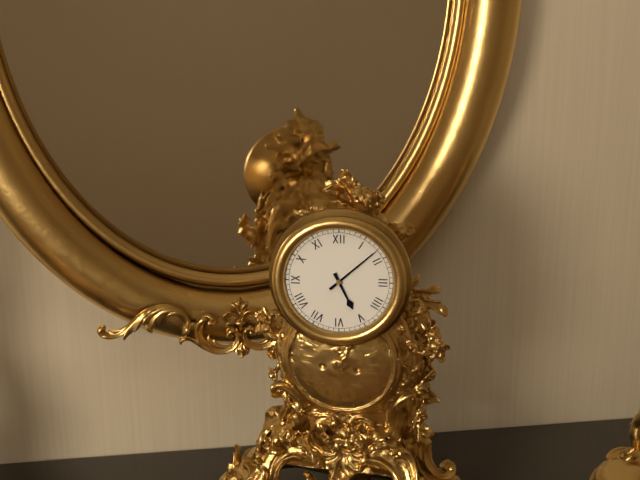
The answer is 5.08
